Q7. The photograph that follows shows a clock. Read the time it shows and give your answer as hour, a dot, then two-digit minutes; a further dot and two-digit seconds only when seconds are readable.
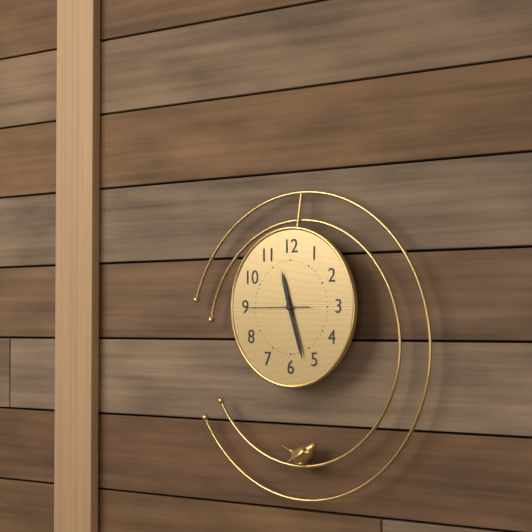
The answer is 11.27.45
